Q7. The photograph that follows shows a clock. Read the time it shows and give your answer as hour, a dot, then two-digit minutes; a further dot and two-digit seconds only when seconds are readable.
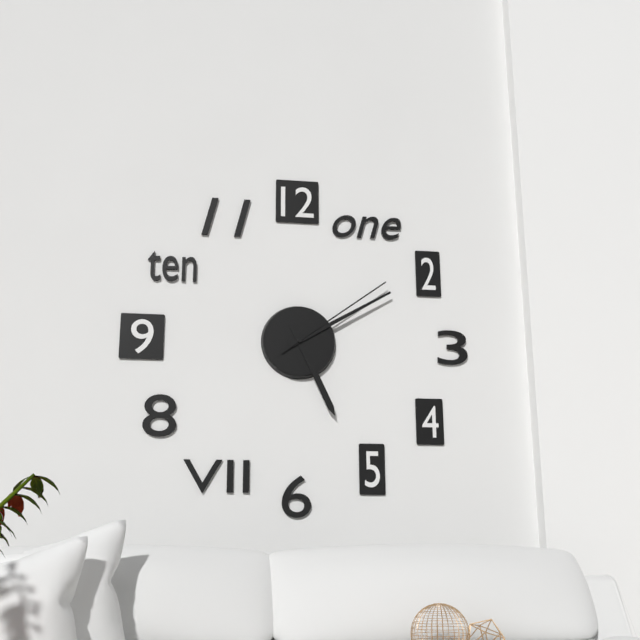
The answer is 5.10.09
